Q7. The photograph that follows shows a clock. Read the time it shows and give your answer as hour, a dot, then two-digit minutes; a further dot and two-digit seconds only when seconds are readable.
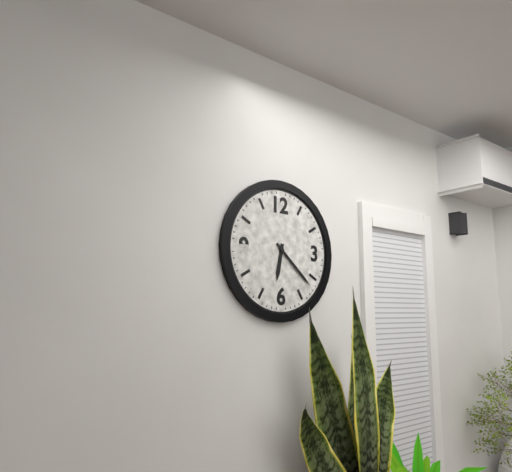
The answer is 6.22
